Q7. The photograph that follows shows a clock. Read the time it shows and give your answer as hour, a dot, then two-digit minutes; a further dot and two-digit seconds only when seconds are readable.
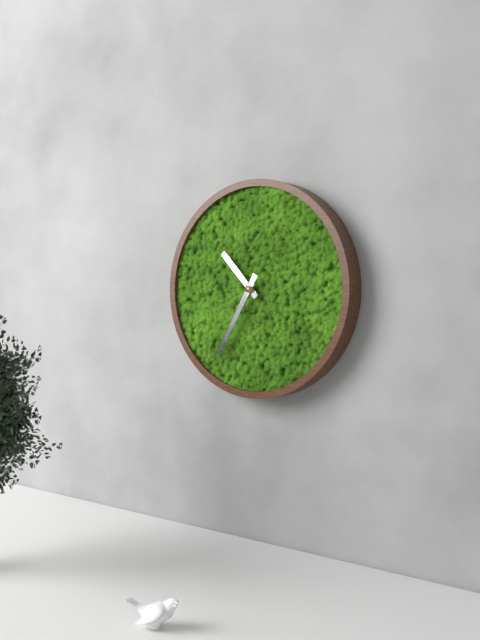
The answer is 10.35
